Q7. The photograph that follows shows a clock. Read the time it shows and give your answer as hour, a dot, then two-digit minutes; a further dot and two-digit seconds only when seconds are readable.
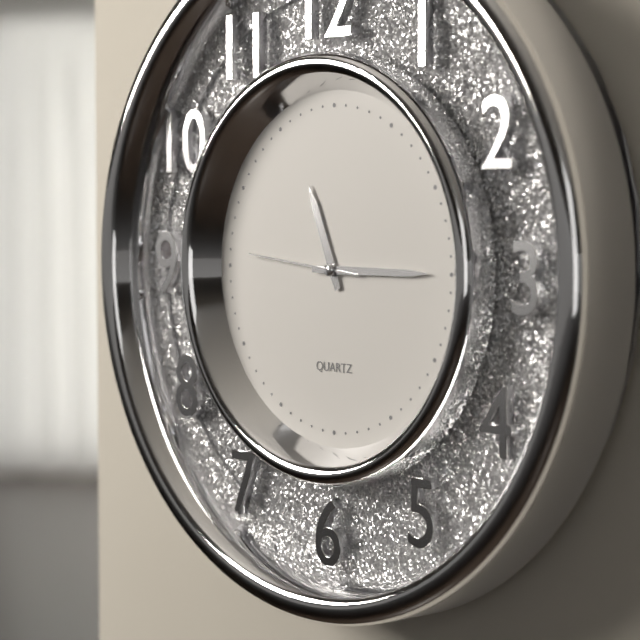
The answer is 11.15.46
